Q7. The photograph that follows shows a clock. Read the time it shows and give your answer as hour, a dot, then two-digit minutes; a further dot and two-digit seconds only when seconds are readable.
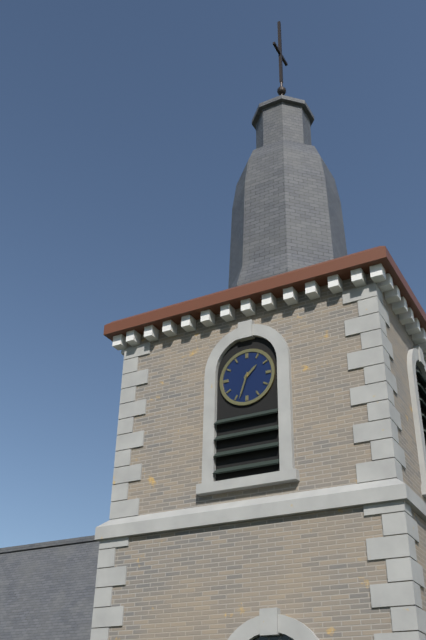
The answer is 1.33
